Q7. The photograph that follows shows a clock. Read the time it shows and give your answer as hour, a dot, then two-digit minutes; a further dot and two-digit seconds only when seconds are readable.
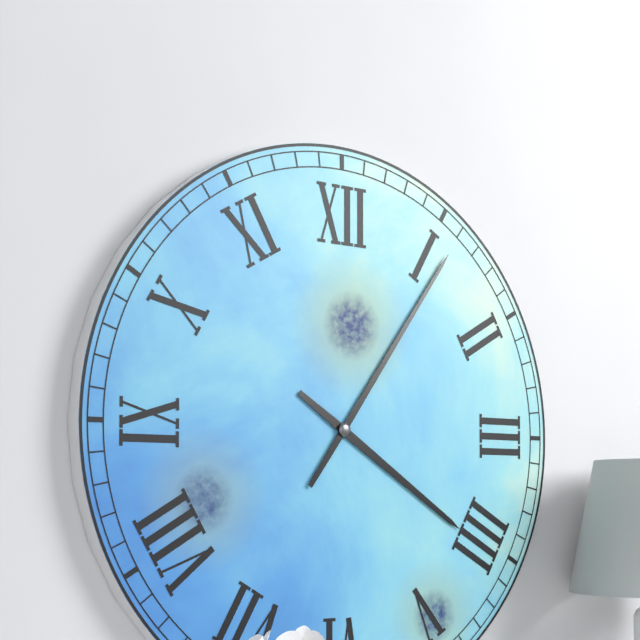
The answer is 4.06
